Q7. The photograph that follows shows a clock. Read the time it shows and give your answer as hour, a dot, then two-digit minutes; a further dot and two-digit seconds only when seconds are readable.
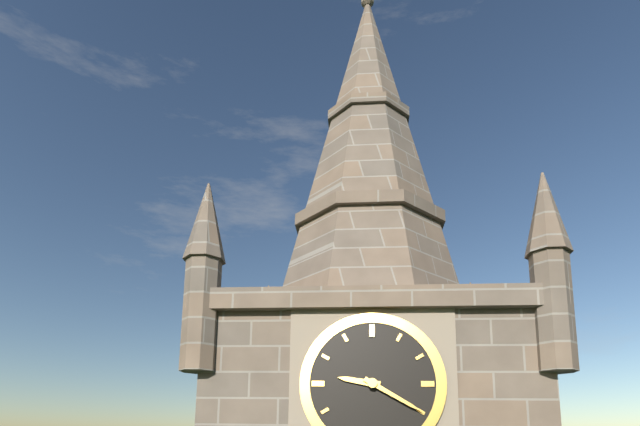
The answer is 9.20
